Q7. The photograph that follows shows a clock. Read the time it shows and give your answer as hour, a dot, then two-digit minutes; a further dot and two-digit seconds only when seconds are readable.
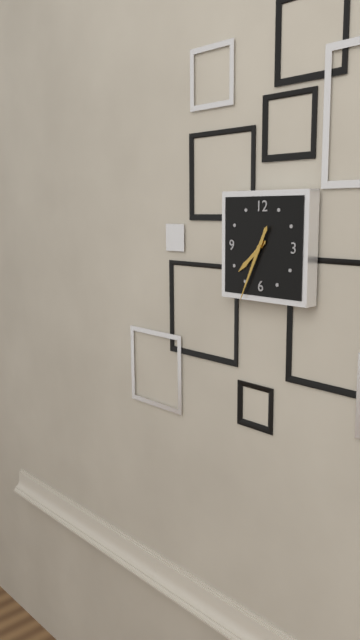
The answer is 7.34
